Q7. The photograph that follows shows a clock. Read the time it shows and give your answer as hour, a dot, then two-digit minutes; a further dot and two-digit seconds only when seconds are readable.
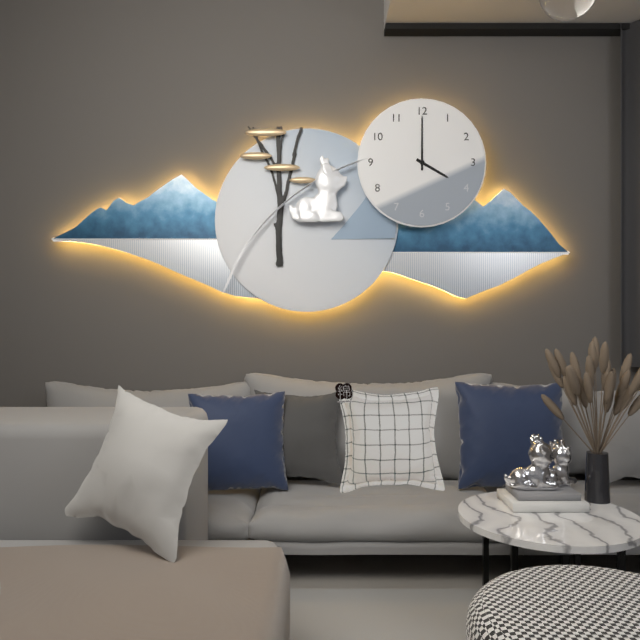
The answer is 4.00
